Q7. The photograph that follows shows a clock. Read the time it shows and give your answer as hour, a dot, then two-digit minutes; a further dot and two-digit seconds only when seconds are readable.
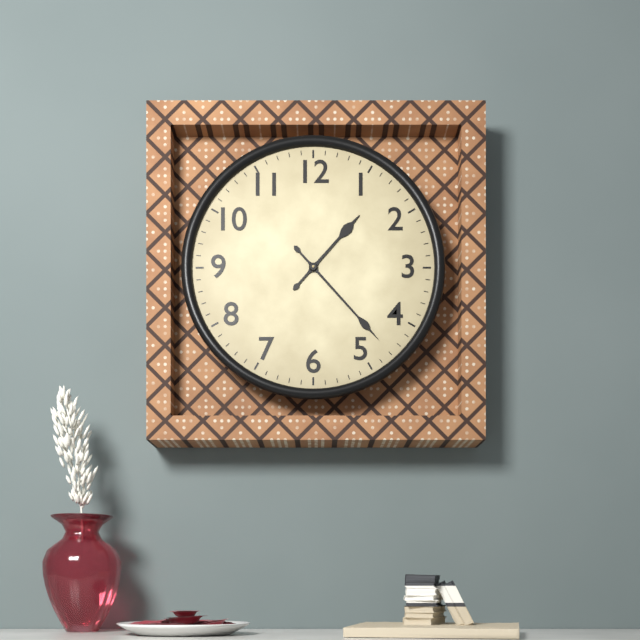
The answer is 1.23
